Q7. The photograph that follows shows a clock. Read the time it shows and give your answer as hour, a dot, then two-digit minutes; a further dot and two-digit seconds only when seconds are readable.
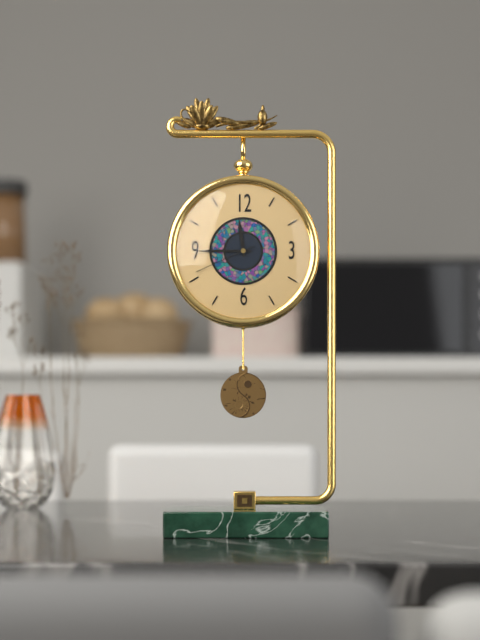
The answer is 11.45.41
